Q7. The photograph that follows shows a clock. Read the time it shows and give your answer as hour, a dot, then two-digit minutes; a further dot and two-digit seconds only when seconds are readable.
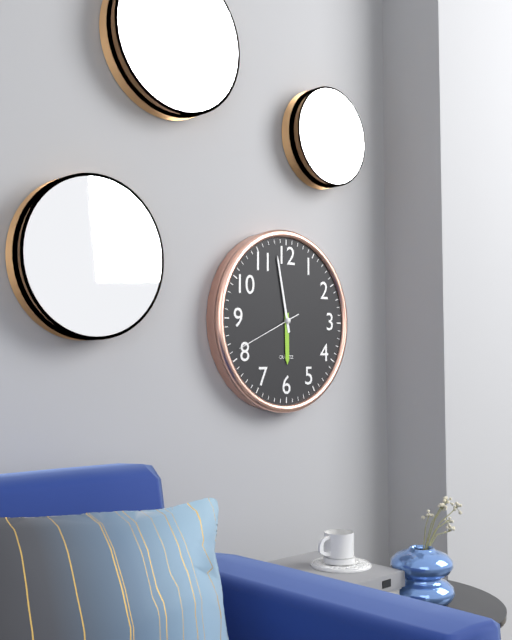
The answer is 5.58.41
